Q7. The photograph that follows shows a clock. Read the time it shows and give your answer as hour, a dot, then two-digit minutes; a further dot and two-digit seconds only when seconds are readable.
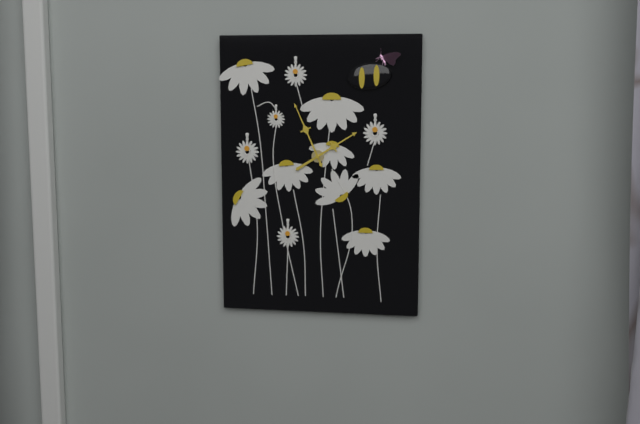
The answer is 1.56
